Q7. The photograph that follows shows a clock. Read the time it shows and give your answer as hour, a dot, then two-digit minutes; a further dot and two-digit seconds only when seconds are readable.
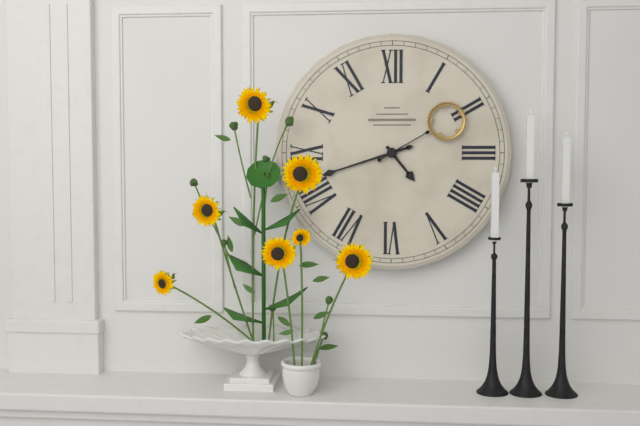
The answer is 4.42.10
